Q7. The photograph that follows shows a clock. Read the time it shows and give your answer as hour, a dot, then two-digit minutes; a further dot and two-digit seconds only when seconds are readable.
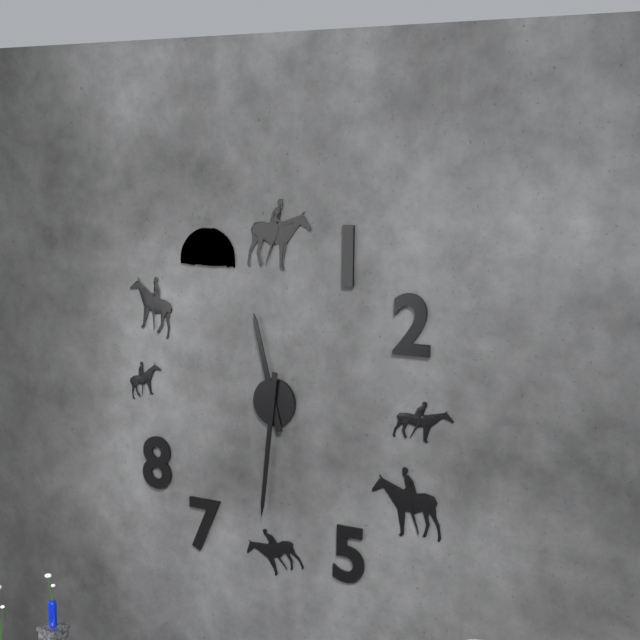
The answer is 11.31
